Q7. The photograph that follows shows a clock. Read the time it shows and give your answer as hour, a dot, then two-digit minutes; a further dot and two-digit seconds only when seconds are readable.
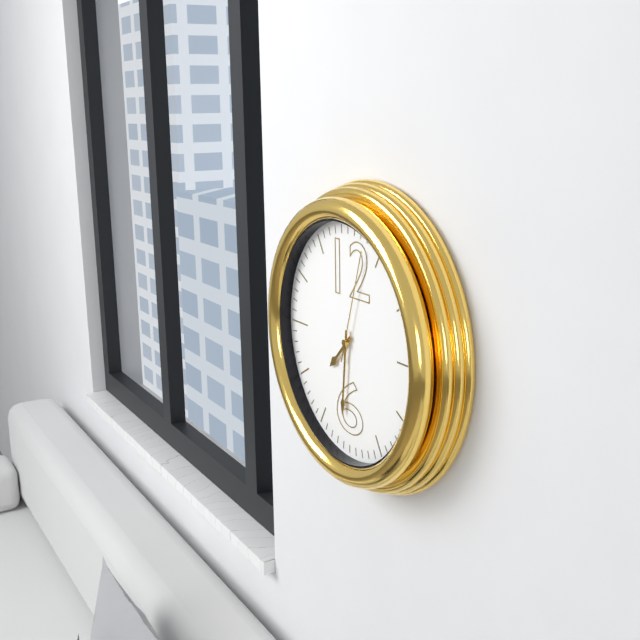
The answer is 7.31.03
